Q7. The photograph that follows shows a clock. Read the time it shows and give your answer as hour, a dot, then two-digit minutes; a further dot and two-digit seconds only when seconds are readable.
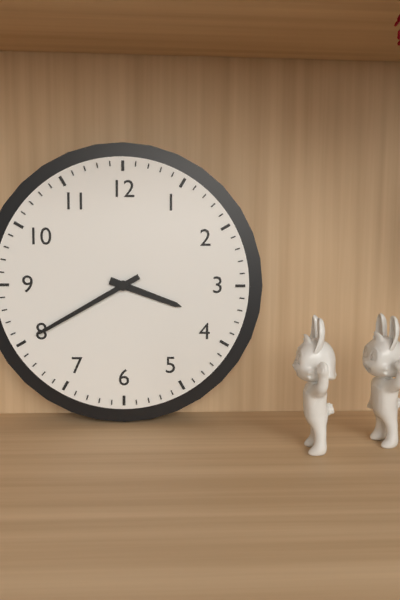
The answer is 3.40
